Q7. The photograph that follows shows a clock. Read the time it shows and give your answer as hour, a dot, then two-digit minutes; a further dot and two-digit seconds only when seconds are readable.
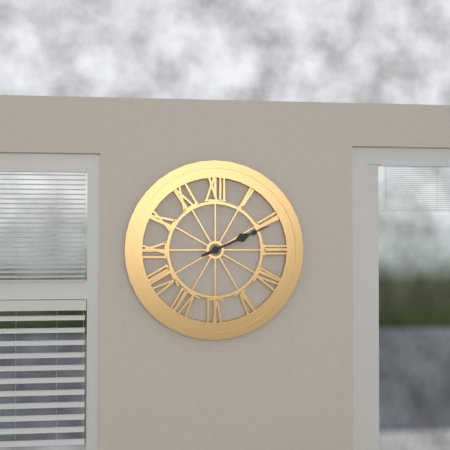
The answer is 2.11
